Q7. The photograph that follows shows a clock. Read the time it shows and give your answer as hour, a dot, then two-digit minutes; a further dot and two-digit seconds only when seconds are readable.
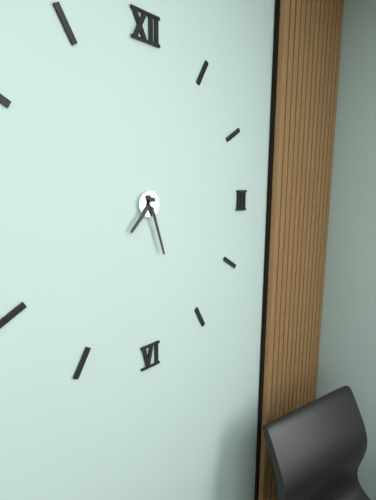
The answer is 7.27
